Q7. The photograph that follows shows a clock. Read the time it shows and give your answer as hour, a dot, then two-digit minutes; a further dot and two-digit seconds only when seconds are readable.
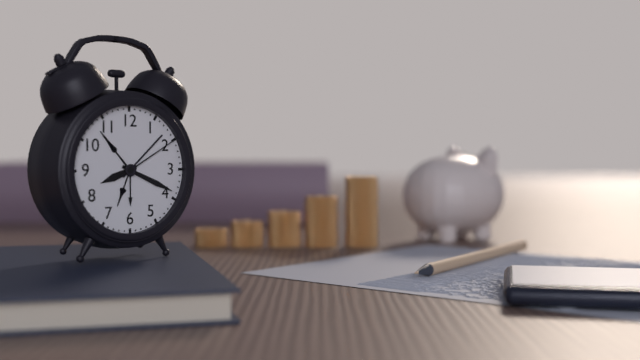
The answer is 8.19.10
